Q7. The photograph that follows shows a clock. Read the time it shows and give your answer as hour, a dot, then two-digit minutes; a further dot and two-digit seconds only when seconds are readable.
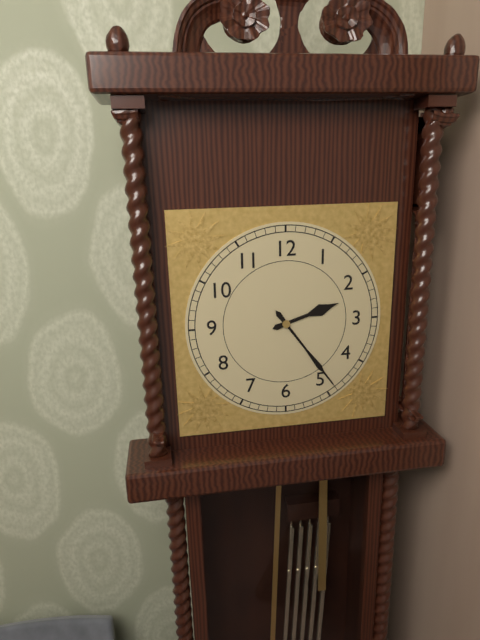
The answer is 2.24
